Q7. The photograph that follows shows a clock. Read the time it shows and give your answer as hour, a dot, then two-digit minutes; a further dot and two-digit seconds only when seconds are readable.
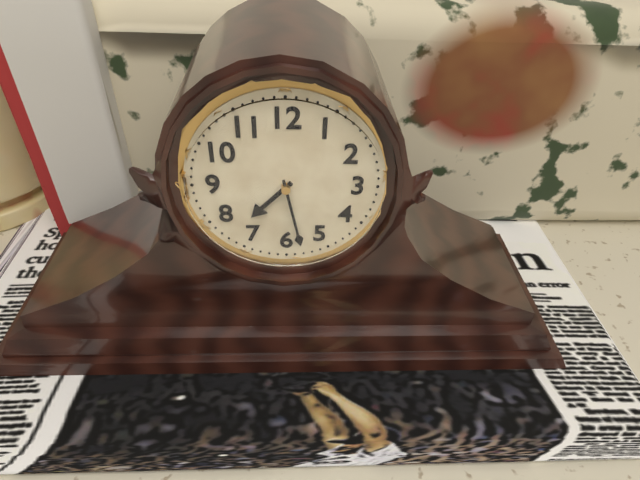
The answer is 7.28
